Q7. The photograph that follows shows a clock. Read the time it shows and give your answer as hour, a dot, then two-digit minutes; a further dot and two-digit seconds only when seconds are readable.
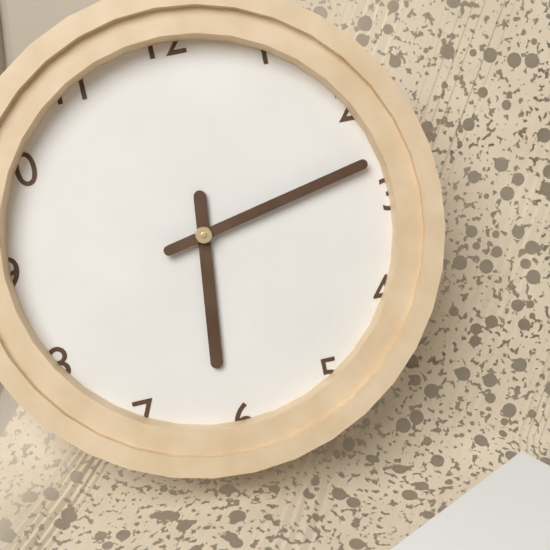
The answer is 6.13
